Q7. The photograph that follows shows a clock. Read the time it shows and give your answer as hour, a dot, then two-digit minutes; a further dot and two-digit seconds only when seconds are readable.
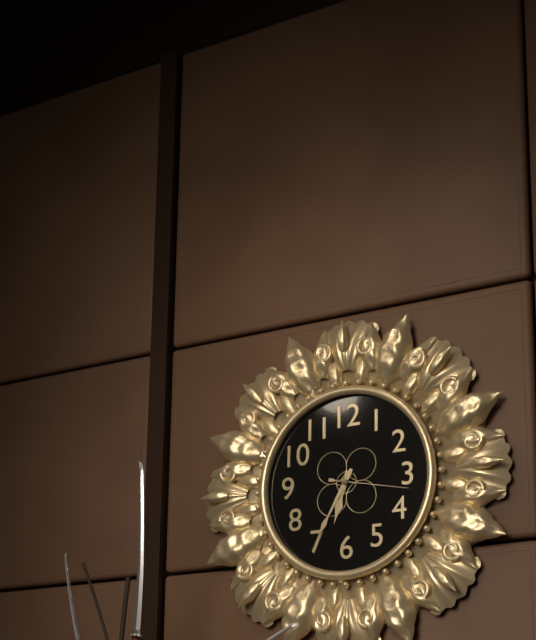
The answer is 6.35.17
